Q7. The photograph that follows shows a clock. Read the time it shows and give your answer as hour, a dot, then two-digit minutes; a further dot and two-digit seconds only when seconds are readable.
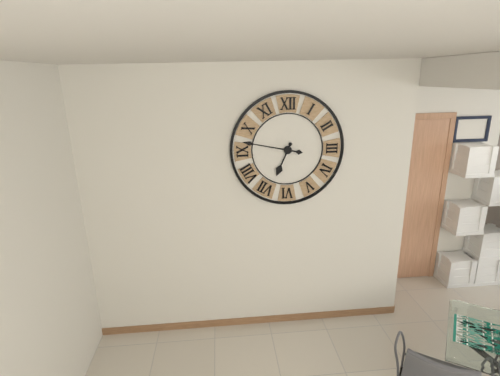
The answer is 6.47
